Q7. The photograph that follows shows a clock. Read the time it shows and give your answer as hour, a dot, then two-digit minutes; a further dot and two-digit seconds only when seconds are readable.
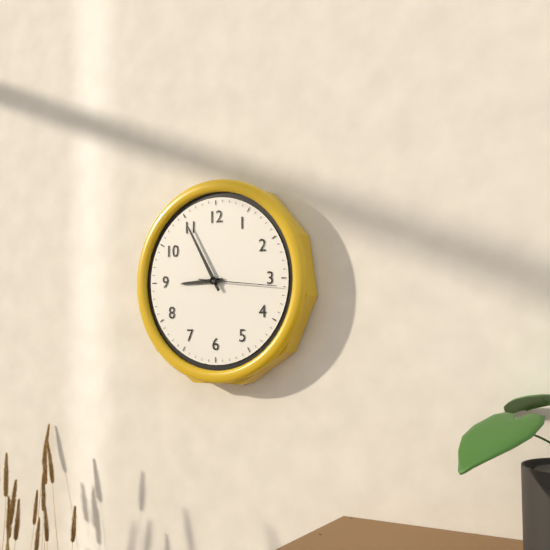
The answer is 8.55.16
